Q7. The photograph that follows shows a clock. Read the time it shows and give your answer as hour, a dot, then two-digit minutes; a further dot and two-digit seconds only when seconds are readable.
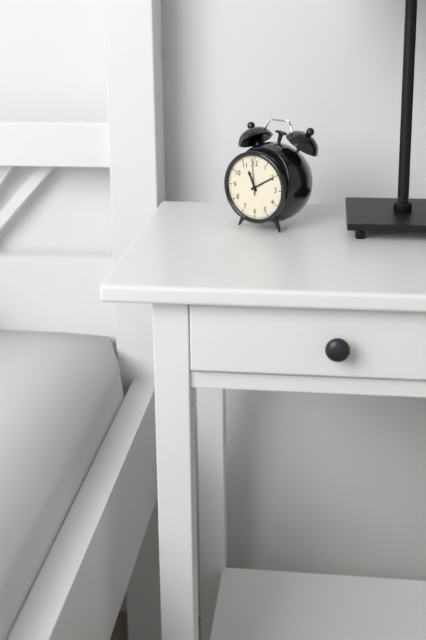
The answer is 11.10
